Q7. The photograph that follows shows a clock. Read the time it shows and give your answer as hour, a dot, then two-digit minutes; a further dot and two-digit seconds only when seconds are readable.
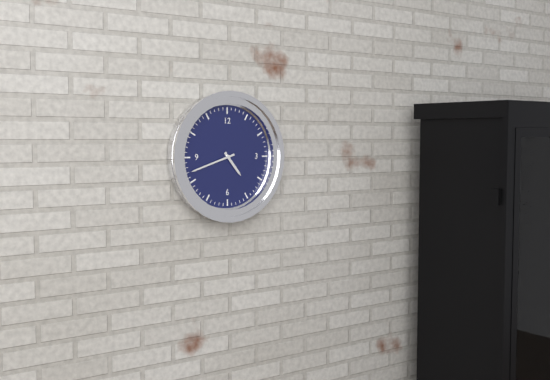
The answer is 4.42
